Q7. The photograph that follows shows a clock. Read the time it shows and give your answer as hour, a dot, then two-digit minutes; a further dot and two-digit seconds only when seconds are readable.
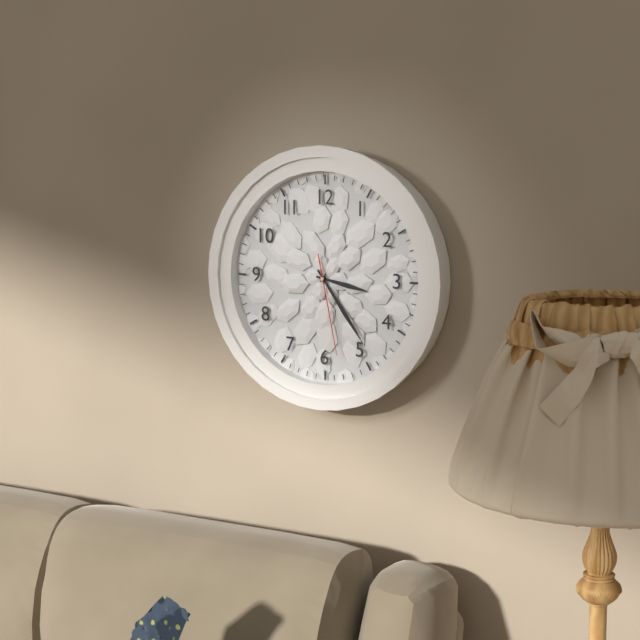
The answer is 3.24.28
